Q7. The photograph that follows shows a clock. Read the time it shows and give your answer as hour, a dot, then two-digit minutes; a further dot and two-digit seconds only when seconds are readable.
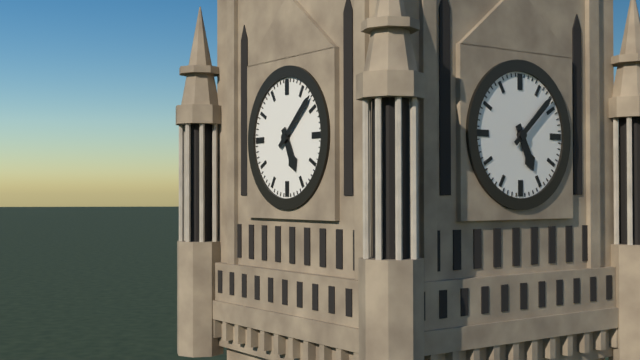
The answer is 5.08
